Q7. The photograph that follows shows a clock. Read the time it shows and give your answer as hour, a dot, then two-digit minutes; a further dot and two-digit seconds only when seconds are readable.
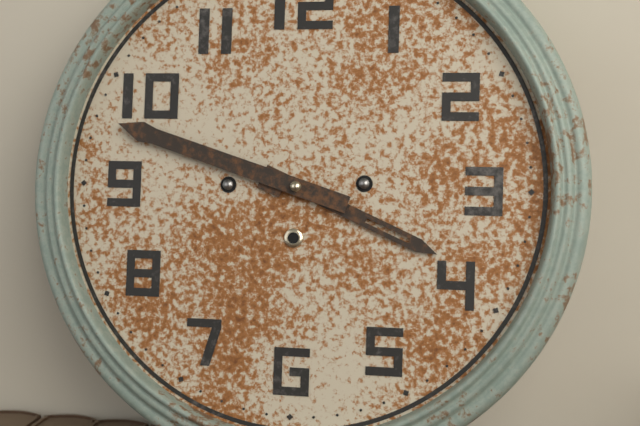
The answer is 3.48
